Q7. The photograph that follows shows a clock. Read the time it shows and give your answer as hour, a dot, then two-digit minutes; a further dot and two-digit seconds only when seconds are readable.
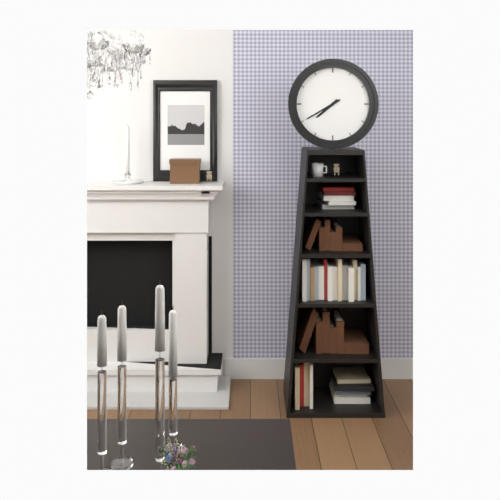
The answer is 7.40
